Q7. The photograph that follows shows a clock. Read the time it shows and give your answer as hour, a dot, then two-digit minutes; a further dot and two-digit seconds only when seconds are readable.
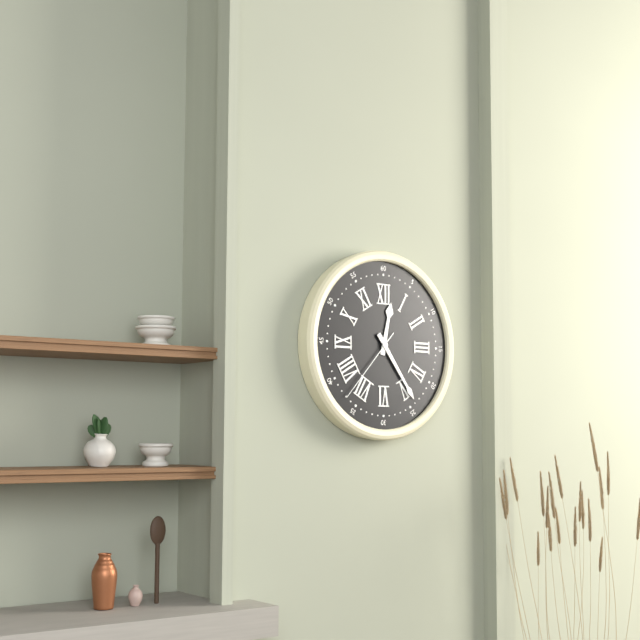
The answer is 12.24.37
